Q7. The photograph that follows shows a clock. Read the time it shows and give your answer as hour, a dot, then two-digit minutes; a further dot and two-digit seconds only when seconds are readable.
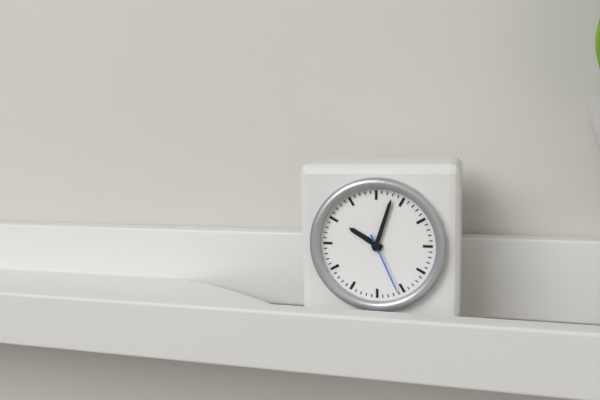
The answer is 10.03.26
